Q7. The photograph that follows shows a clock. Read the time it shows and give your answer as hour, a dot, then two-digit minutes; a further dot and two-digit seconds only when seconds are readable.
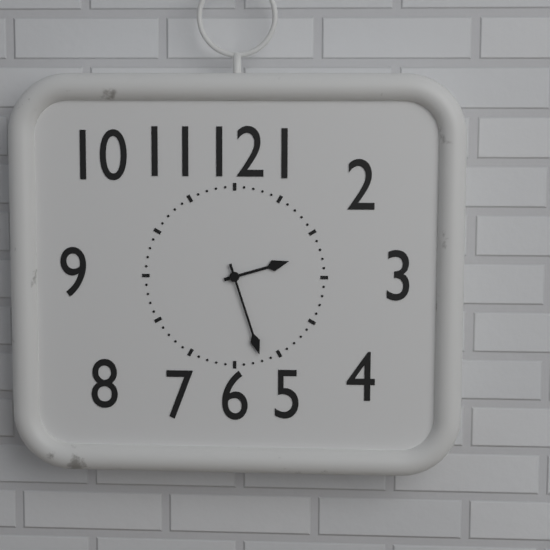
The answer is 2.27
